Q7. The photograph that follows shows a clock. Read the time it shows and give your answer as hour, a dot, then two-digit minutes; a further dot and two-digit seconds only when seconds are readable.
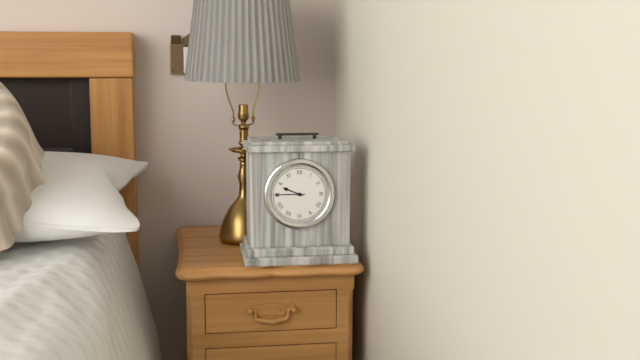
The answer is 9.45
